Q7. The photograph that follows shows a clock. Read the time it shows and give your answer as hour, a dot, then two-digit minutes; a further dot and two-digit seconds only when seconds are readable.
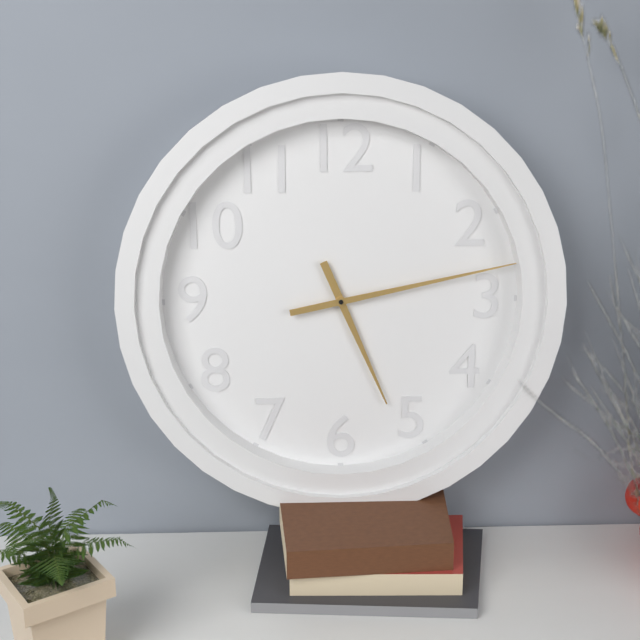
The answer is 5.13
